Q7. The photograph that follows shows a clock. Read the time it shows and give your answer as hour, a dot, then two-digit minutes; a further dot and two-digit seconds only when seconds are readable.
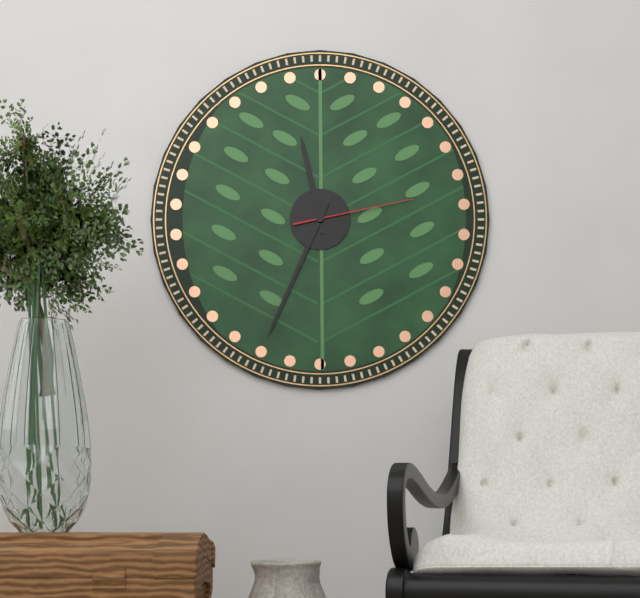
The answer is 11.34.13
